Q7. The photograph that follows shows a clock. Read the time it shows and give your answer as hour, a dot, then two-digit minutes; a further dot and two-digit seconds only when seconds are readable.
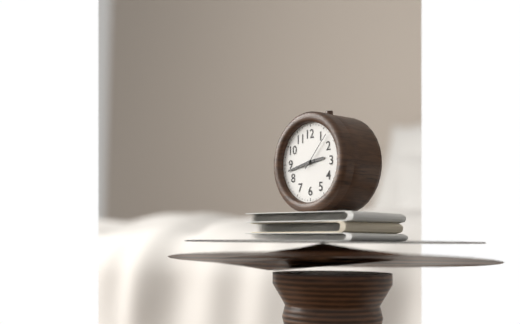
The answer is 2.43
